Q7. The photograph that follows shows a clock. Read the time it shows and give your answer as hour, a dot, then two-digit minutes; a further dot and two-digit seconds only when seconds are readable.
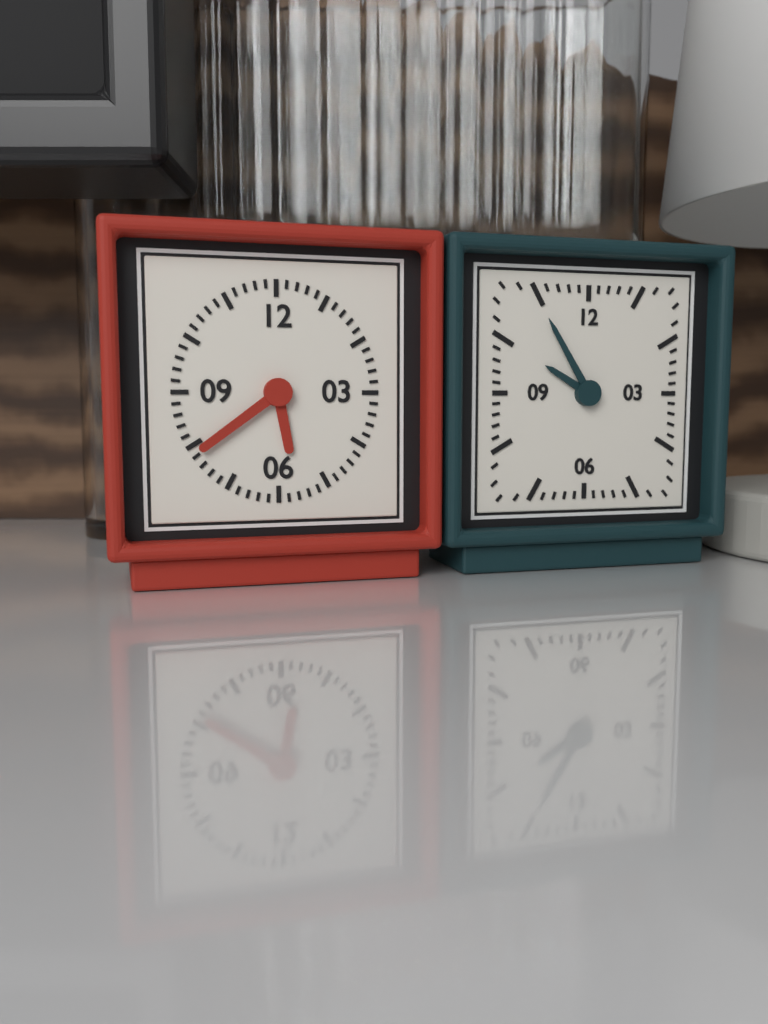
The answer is 5.39
